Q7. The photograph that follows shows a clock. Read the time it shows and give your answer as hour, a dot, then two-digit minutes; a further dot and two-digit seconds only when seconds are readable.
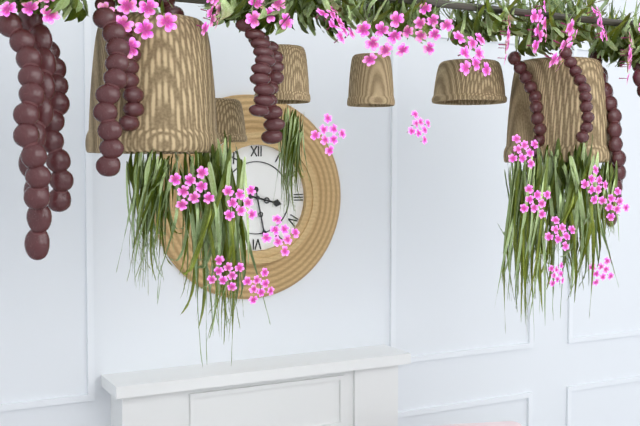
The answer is 3.28
